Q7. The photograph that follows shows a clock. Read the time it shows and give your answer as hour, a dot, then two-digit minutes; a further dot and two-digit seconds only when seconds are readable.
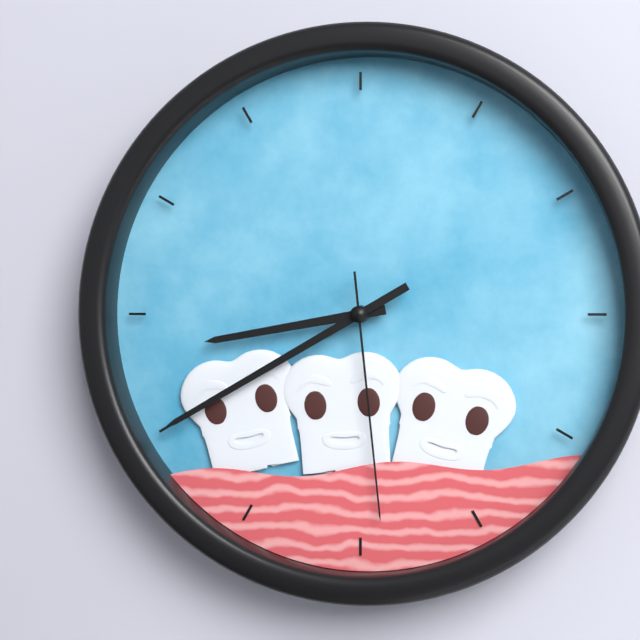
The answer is 8.40.29
